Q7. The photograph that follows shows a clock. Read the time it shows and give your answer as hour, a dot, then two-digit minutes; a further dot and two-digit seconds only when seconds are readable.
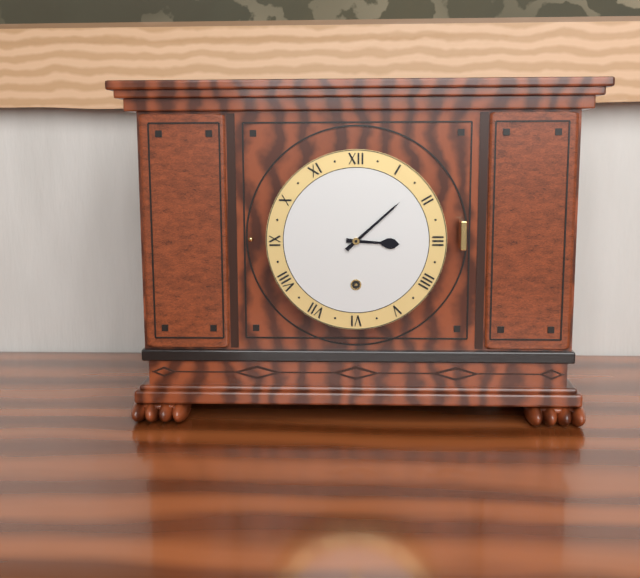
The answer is 3.08
